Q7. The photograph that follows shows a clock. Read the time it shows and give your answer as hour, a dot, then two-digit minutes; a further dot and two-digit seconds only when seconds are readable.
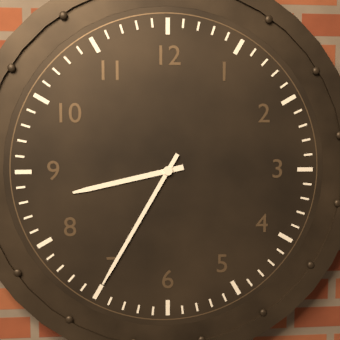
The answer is 8.35
